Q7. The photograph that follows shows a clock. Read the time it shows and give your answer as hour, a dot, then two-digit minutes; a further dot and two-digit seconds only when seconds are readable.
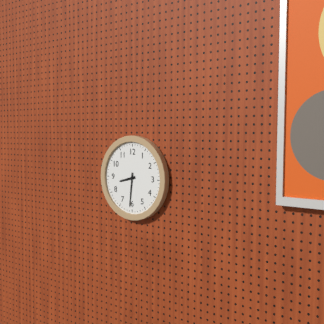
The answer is 8.31
